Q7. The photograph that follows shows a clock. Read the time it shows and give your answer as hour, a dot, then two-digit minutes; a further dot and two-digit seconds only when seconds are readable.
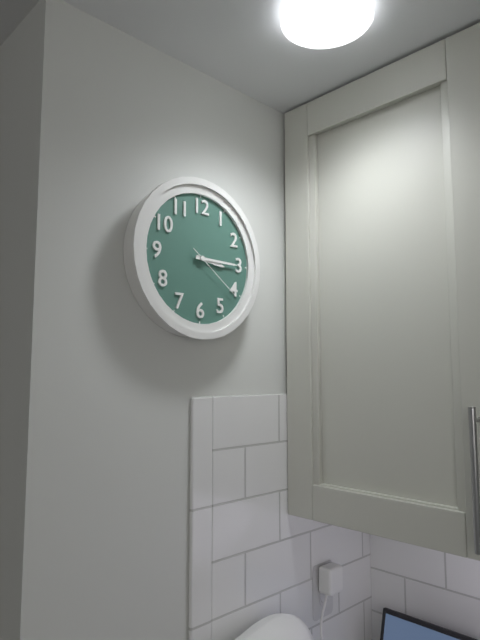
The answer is 3.15.21
